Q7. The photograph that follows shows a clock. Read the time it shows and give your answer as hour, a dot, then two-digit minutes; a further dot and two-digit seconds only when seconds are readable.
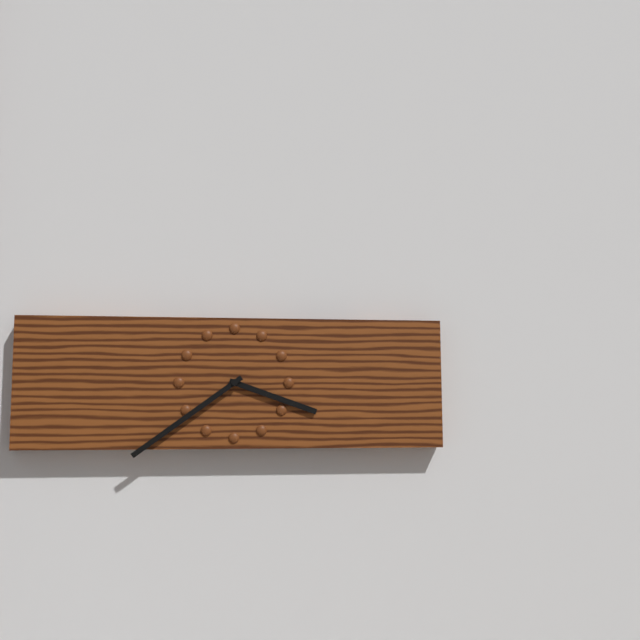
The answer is 3.39
